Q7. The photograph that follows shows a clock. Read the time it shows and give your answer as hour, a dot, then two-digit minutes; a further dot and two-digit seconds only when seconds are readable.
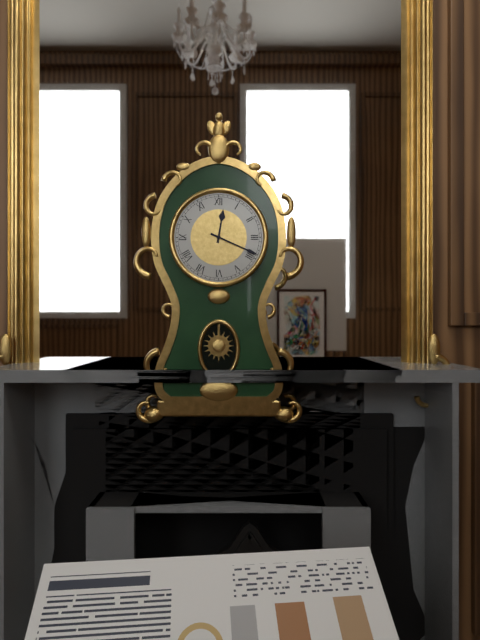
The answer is 12.19
